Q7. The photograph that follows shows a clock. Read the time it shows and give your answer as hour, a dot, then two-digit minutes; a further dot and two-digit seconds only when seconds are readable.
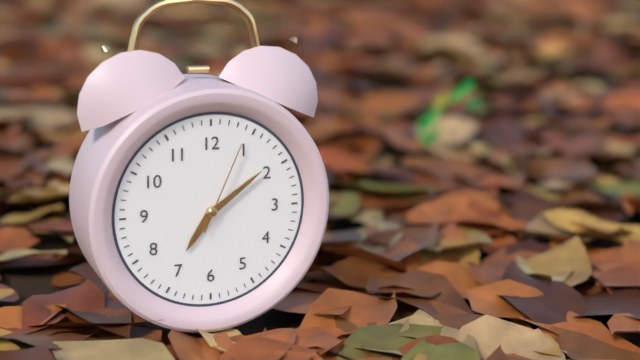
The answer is 7.09.04
